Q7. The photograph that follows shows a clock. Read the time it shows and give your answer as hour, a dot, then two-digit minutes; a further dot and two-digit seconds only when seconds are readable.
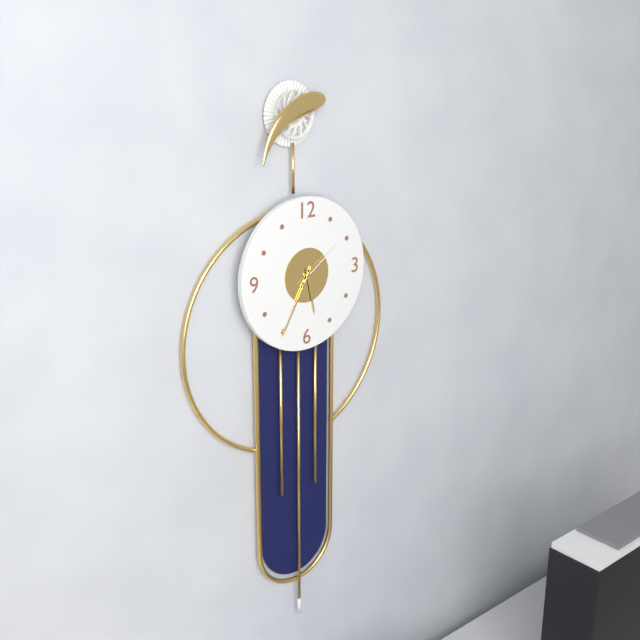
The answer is 5.35.09
